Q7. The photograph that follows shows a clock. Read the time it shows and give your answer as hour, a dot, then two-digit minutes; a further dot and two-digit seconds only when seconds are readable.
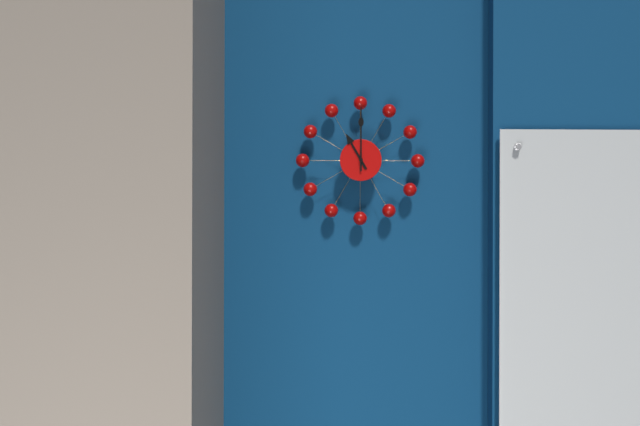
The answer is 11.00
